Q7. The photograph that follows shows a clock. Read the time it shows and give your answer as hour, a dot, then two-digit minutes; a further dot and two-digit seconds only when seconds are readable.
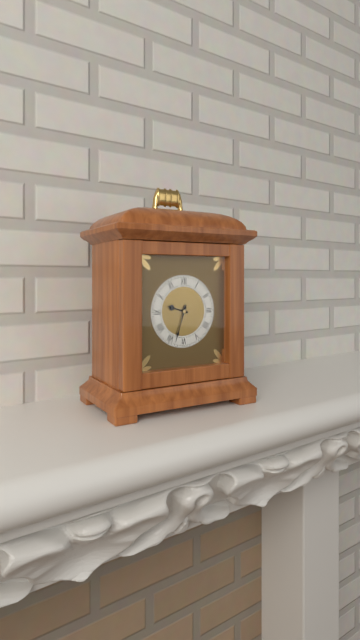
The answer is 9.33
